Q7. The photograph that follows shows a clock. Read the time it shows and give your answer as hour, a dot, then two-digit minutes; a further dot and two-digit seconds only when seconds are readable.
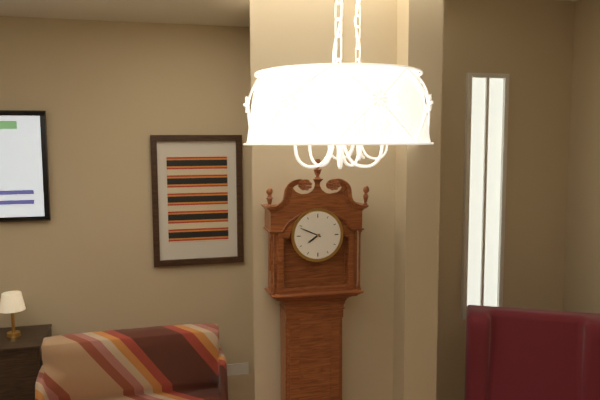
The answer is 7.49
